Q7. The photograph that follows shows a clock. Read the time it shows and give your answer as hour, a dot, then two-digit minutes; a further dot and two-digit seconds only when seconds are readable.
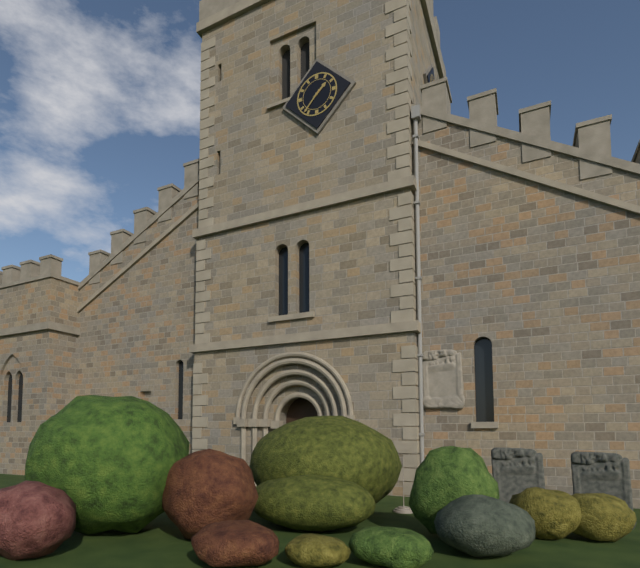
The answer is 1.37
